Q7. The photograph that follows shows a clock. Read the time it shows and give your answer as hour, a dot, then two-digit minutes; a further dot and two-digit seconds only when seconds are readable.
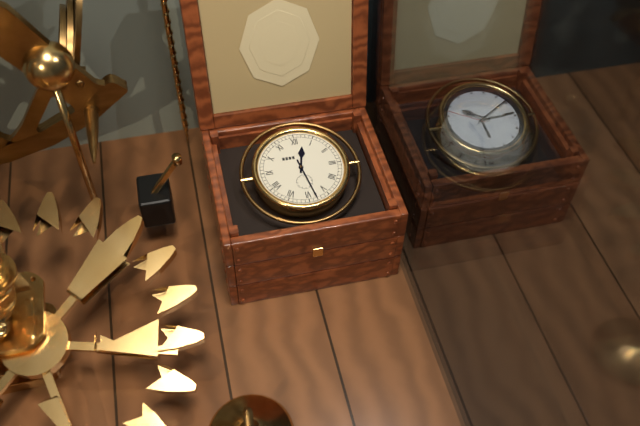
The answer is 12.28
